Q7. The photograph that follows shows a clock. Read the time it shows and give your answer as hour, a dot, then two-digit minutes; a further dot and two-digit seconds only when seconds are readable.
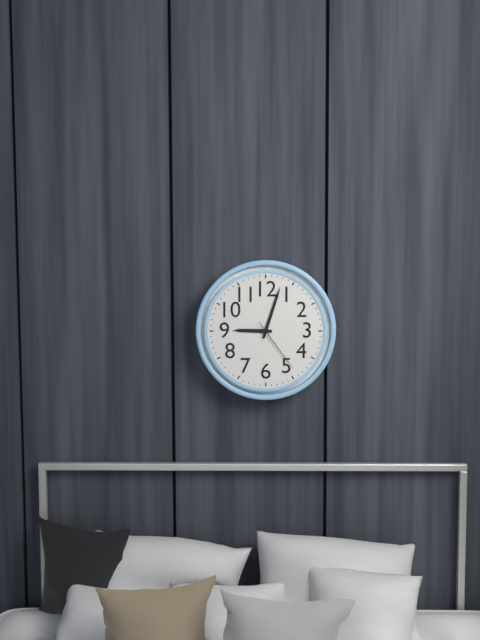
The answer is 9.03.24
